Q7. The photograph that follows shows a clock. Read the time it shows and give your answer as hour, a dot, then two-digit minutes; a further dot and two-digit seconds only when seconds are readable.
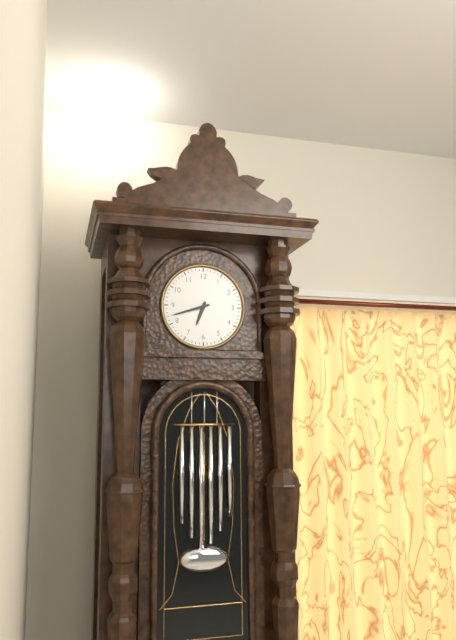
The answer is 6.42
